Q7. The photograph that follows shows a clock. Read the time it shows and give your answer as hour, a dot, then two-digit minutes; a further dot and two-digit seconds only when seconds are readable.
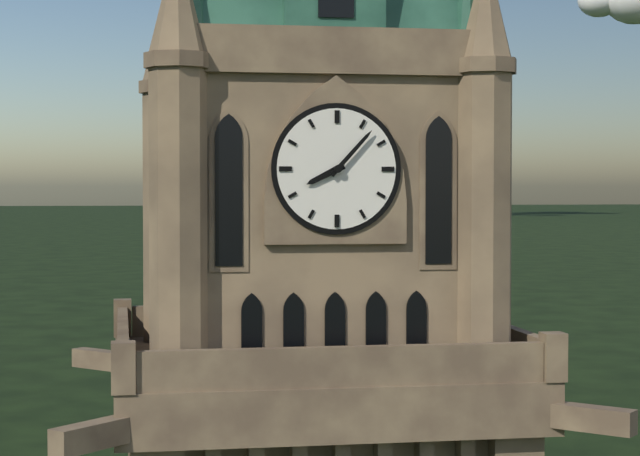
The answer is 8.07
